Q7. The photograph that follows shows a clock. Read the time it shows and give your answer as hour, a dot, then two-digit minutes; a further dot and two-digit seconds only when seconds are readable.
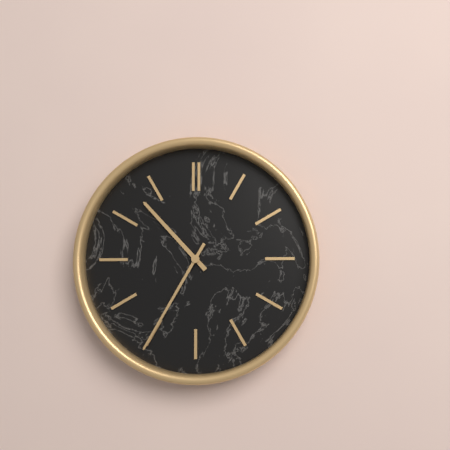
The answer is 10.35
